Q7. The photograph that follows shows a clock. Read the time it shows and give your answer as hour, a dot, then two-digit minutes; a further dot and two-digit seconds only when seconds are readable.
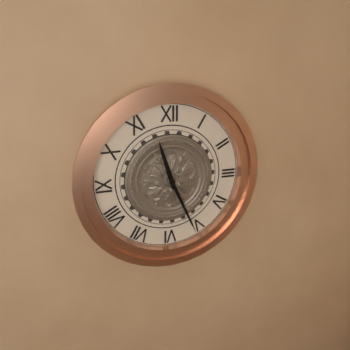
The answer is 11.26
